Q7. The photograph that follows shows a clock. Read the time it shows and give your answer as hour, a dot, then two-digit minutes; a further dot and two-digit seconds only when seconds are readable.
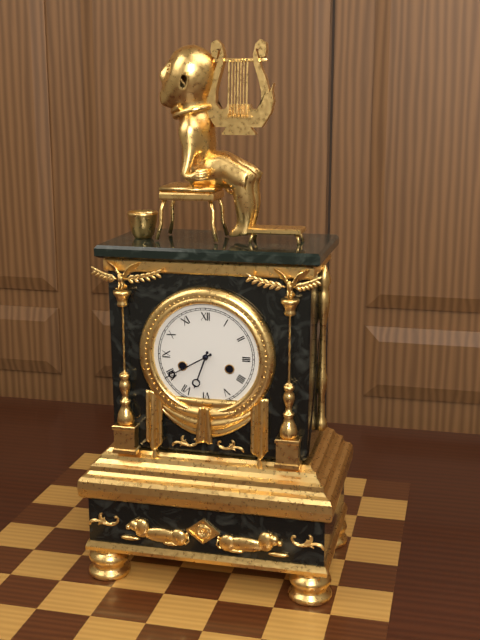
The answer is 6.40
